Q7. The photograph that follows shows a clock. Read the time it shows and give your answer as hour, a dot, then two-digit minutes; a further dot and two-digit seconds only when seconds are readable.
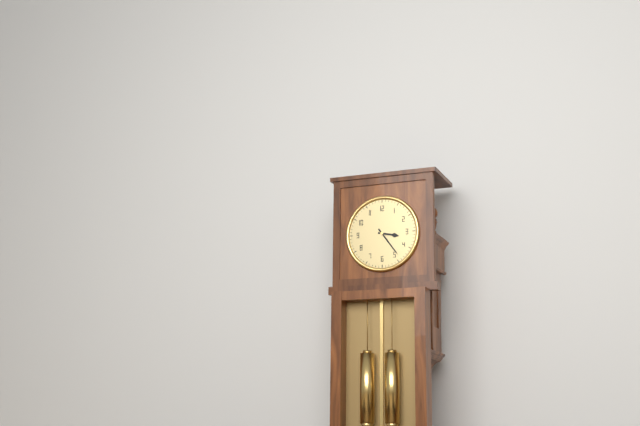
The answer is 3.24
